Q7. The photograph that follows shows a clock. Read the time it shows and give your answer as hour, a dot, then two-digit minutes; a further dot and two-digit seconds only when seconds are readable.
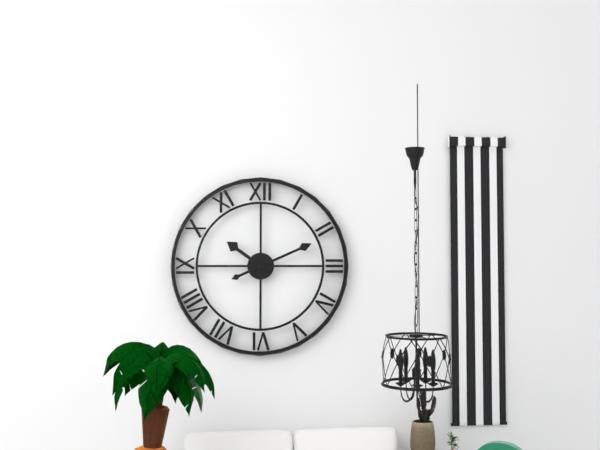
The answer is 10.11
